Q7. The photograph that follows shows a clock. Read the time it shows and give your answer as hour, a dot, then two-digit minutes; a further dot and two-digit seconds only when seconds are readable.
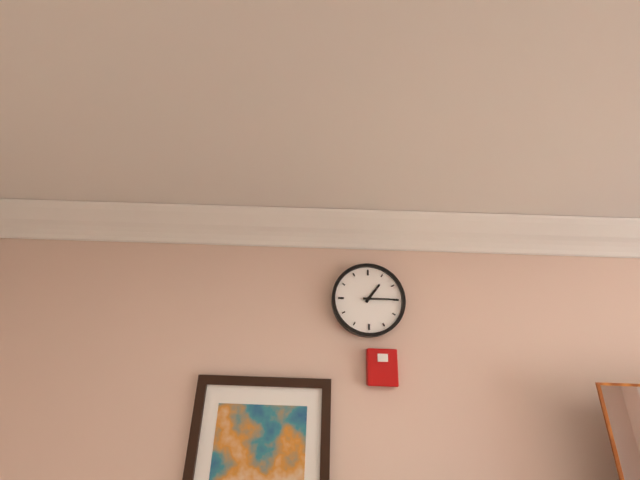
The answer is 1.15
